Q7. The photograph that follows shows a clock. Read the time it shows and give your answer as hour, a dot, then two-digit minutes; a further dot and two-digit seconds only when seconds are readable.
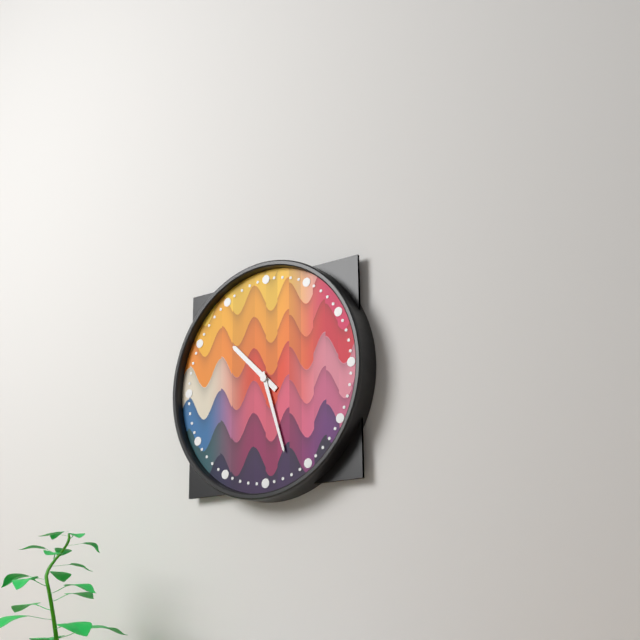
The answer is 10.27
